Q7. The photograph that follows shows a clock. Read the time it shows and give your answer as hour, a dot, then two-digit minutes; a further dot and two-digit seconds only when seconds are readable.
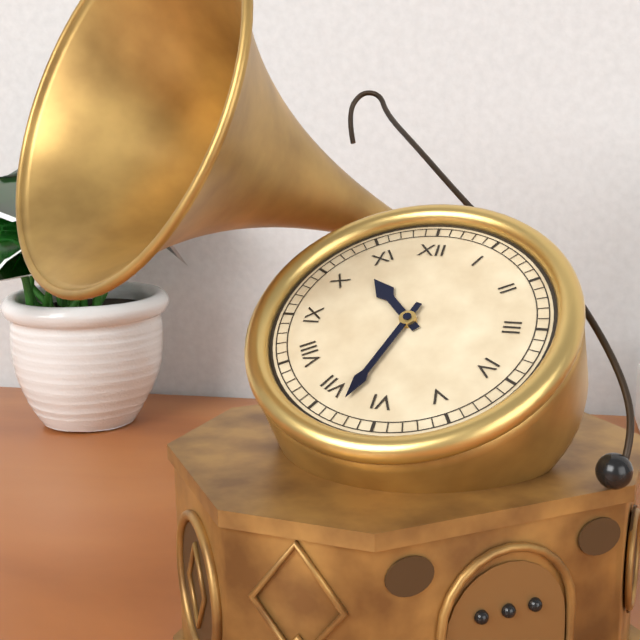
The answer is 10.33
